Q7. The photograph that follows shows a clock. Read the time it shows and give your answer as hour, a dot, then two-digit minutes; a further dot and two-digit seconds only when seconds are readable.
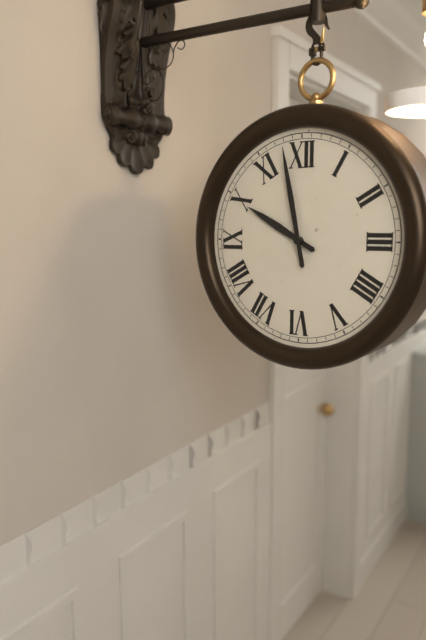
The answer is 9.58
